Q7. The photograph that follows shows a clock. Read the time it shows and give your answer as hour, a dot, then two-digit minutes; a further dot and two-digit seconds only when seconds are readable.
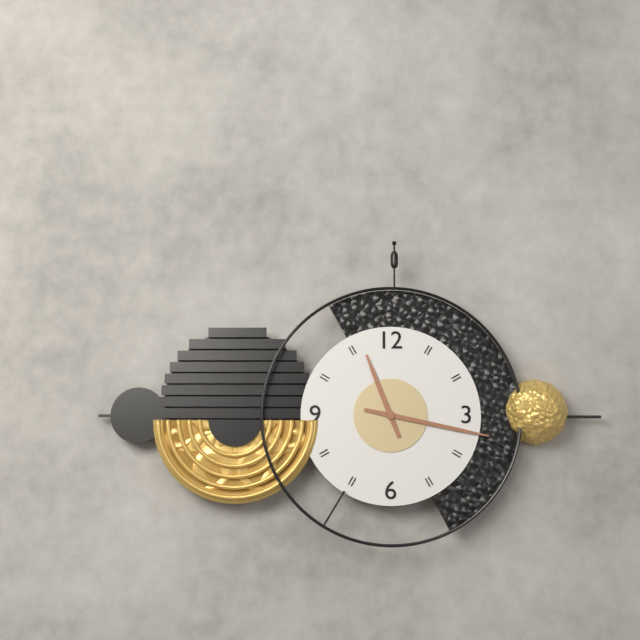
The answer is 11.17
